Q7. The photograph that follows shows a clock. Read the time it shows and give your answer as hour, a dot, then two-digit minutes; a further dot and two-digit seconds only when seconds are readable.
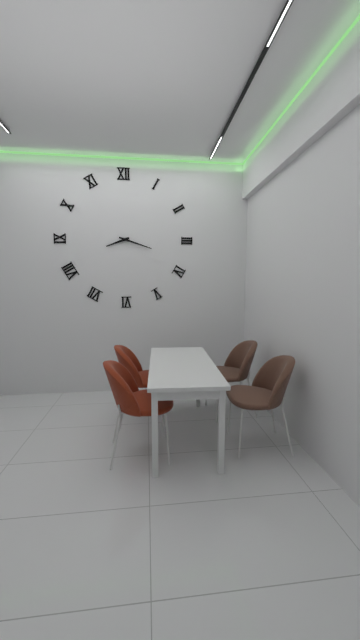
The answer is 8.18
